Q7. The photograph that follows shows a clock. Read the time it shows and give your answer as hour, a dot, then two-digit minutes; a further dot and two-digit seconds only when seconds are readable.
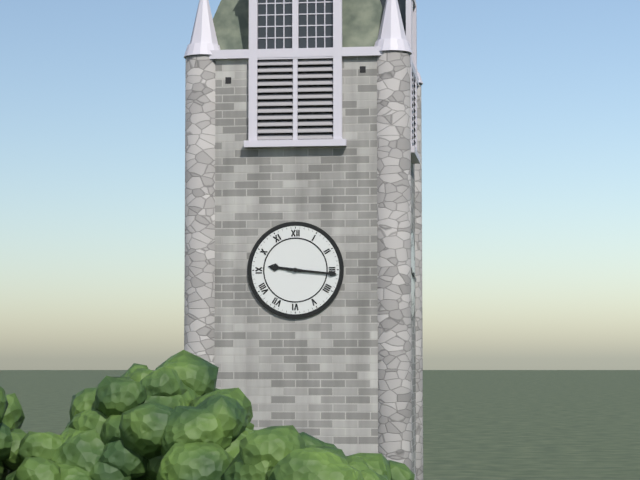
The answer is 9.16
